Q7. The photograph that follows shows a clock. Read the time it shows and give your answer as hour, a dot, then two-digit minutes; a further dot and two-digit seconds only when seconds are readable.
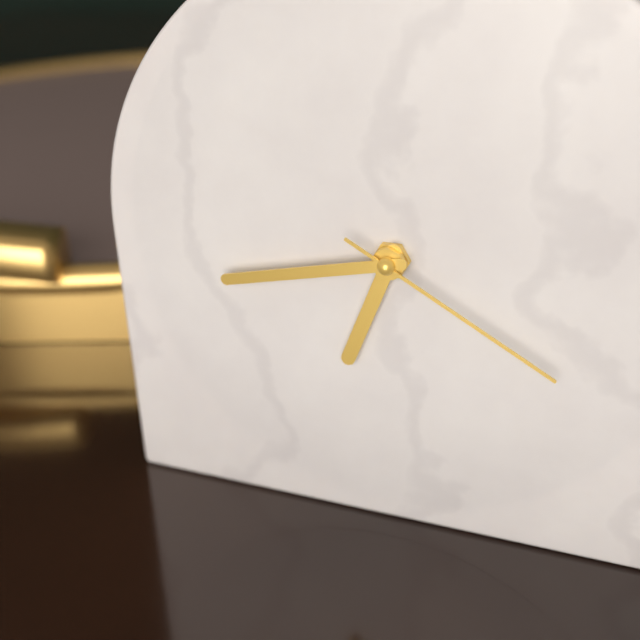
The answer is 6.43.20
